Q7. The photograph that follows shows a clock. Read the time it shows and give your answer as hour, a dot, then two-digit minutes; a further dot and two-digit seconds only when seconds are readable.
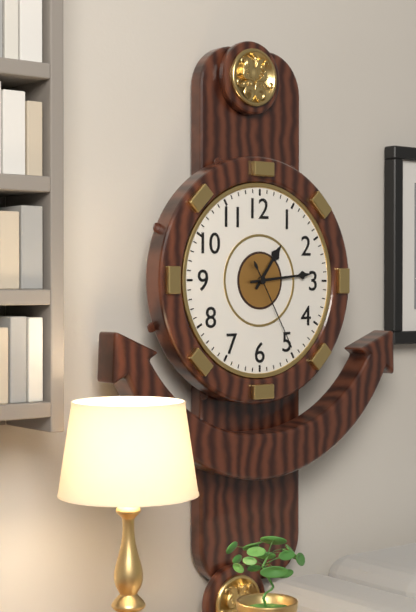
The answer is 1.14.25
